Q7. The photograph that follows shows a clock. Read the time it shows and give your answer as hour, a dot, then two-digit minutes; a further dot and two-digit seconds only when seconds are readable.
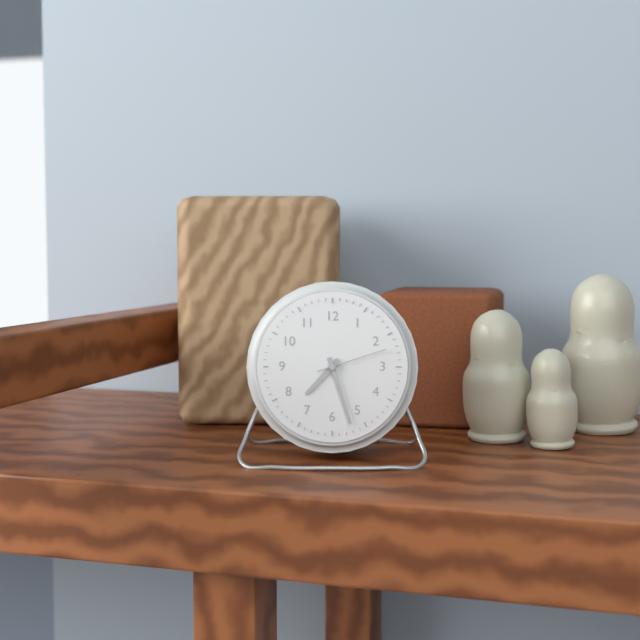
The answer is 7.27.12
